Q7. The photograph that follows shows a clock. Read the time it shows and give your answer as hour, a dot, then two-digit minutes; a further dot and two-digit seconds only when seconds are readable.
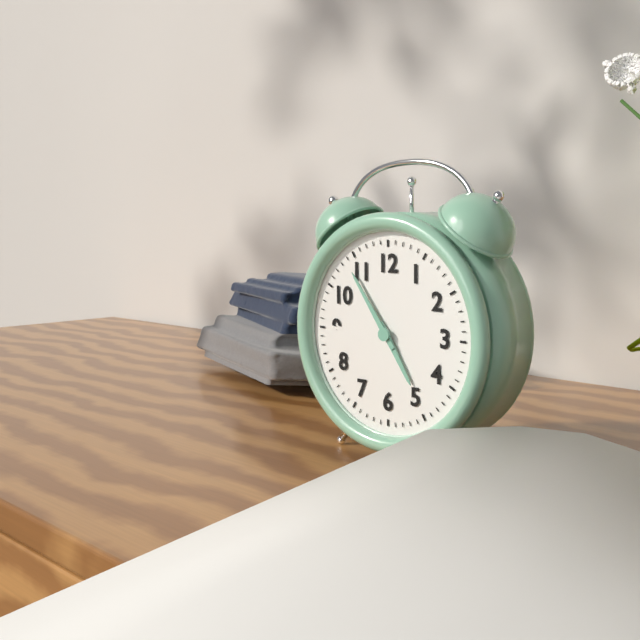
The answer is 4.54
